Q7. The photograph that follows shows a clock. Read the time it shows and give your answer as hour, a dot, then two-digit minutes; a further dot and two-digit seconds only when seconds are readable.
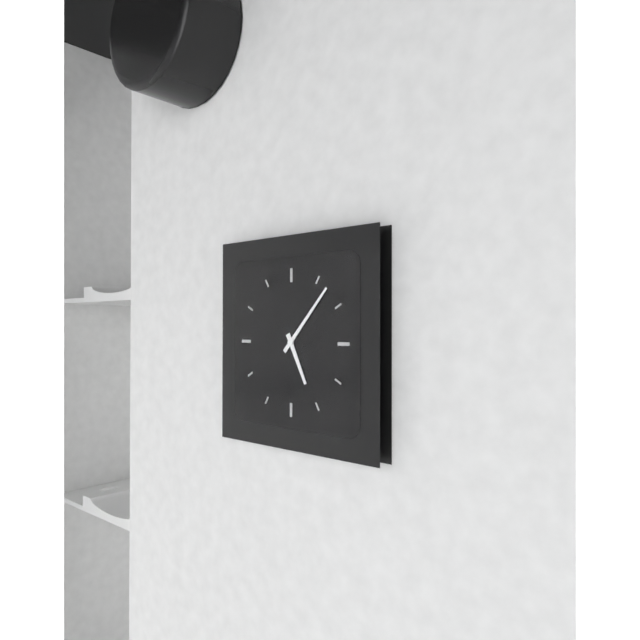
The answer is 5.07
